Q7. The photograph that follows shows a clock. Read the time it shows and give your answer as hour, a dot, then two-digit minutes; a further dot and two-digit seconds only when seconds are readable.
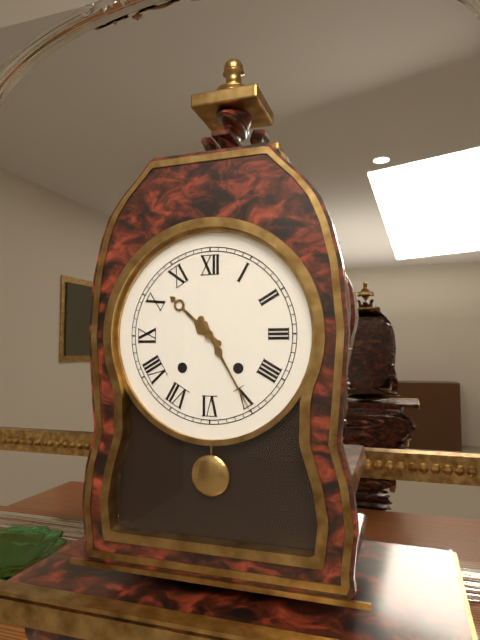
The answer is 10.25
